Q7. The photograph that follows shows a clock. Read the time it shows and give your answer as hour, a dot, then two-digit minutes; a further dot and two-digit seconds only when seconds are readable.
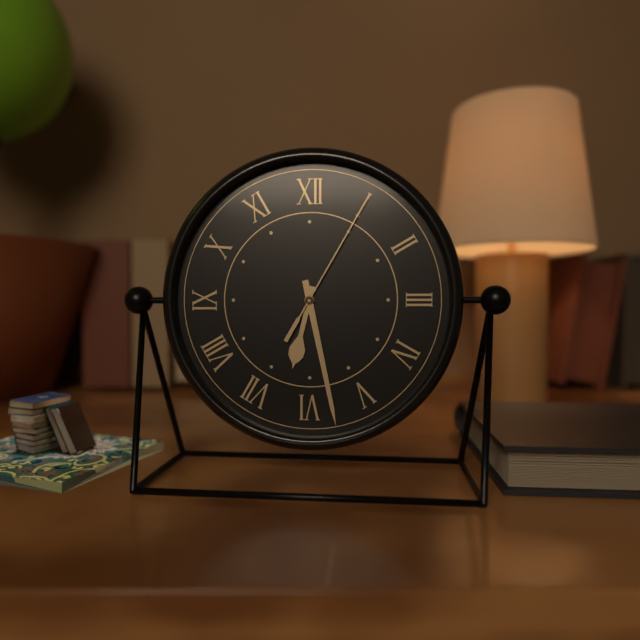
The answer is 6.28.05
